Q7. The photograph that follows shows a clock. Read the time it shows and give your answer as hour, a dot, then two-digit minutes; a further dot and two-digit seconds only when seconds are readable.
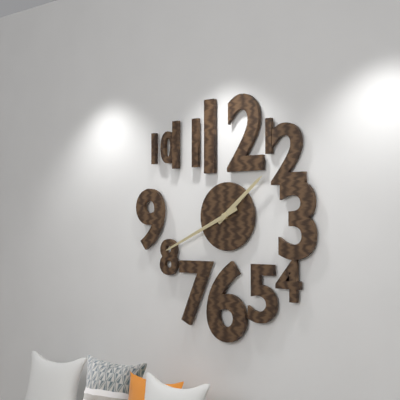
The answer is 1.41
